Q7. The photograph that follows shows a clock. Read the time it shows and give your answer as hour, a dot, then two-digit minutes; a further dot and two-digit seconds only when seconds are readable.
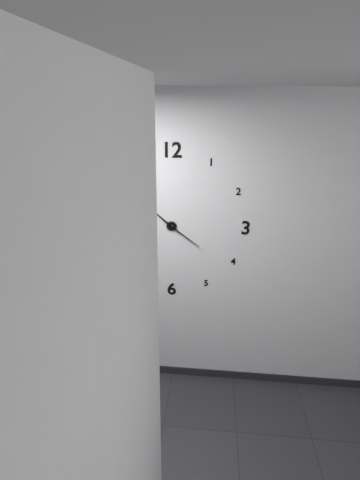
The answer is 10.21
